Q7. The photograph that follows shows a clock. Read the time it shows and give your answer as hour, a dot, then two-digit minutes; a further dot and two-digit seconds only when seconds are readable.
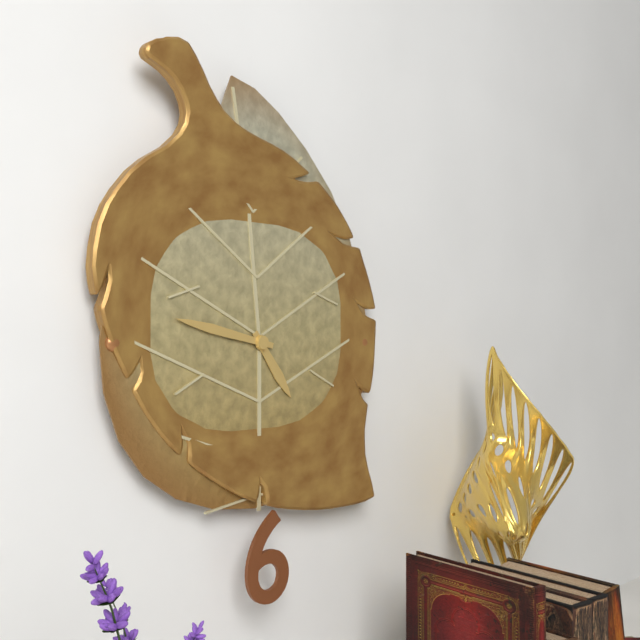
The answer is 4.47
